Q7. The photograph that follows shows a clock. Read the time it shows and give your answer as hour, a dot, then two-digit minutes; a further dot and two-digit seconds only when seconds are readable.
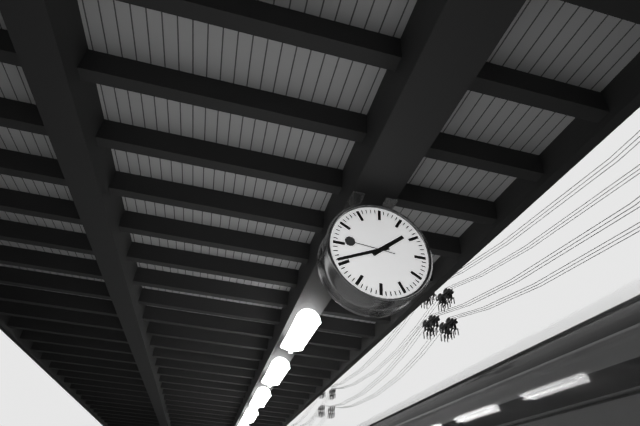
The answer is 1.41
